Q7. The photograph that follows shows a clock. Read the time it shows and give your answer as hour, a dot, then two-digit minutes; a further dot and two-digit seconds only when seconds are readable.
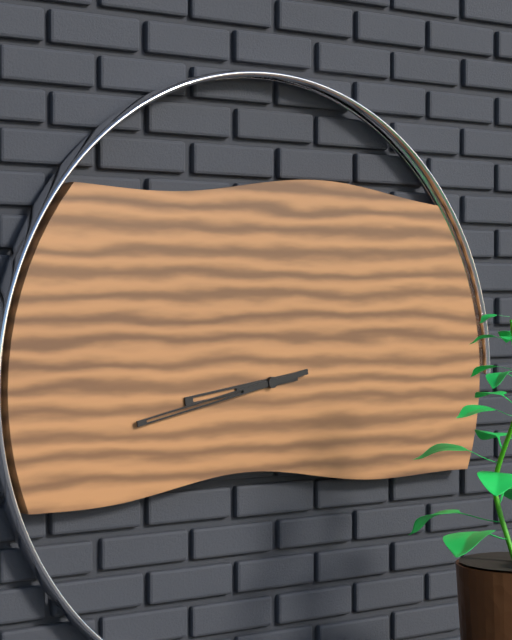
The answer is 8.43
